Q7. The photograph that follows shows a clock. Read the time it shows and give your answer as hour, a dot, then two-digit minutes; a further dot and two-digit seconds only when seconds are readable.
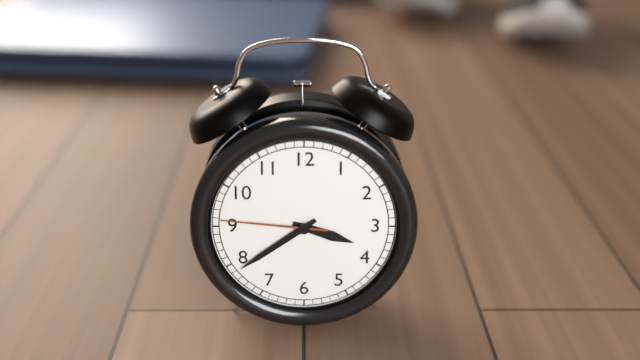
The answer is 3.39.46
